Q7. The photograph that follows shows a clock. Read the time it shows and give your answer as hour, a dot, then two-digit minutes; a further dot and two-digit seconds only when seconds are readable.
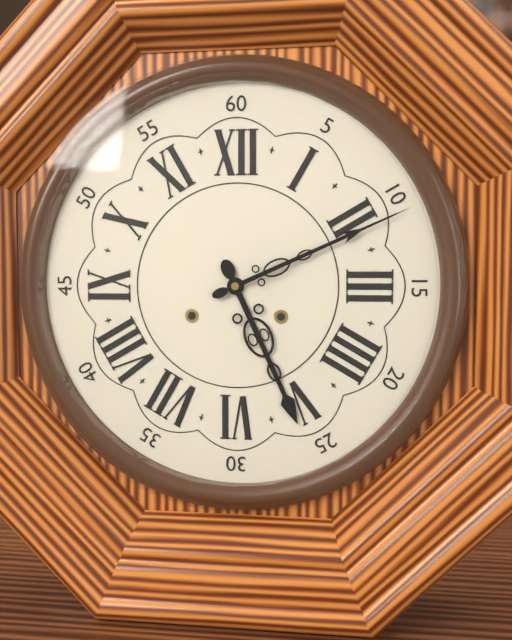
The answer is 5.11
